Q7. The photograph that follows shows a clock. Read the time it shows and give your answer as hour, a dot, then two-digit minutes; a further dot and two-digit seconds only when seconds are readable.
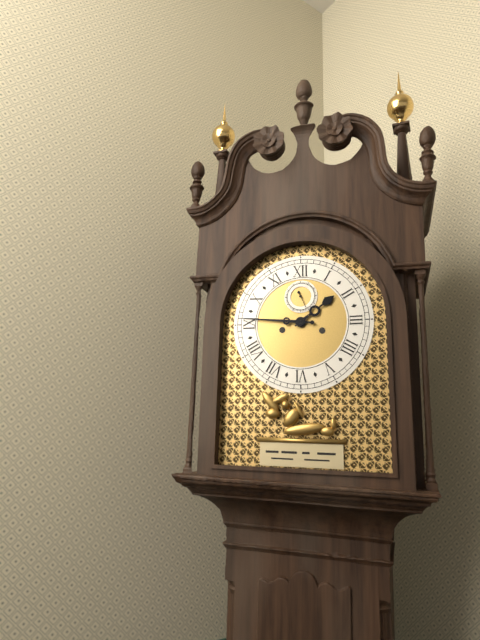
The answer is 1.46
